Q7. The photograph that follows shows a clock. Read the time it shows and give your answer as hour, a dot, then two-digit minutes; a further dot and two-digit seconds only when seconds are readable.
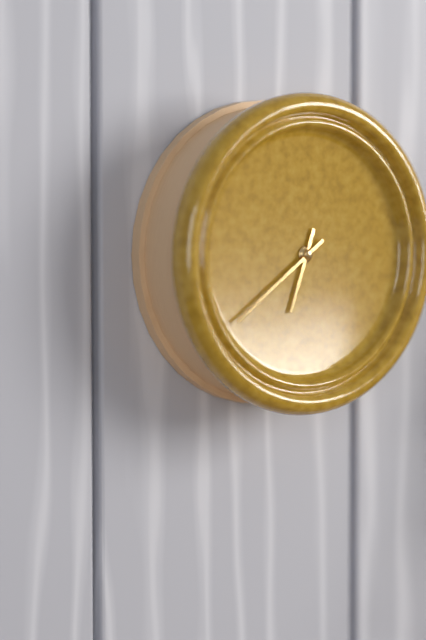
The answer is 6.39
